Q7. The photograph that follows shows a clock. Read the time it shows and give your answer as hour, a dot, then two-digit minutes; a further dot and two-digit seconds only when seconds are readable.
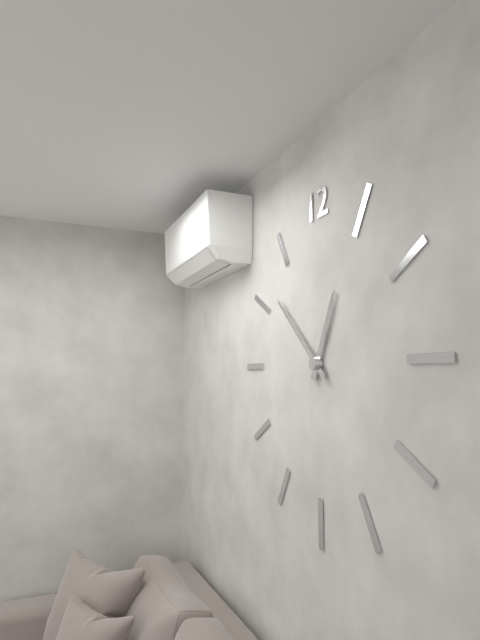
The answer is 12.52
